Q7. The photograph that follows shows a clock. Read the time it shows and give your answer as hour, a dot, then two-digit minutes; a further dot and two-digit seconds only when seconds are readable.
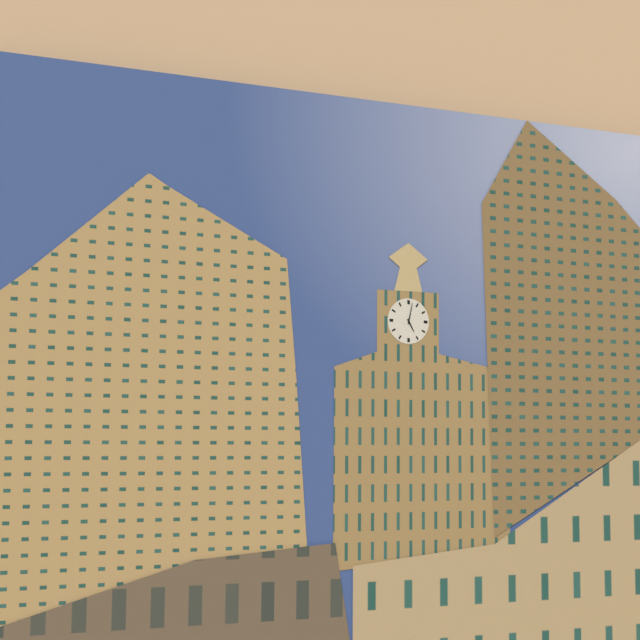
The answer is 5.02
